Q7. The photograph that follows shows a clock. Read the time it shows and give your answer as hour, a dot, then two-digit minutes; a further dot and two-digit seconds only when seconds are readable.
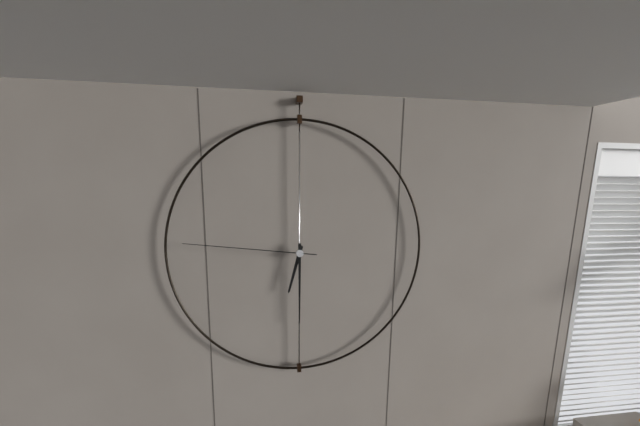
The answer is 6.30.46
